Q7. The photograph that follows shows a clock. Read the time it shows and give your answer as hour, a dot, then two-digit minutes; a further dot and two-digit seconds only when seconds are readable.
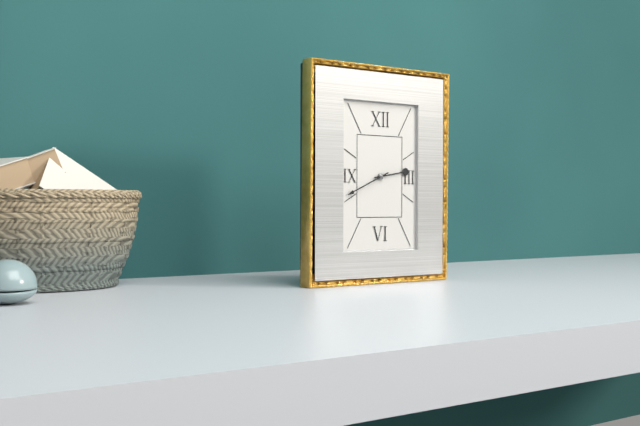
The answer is 2.41
